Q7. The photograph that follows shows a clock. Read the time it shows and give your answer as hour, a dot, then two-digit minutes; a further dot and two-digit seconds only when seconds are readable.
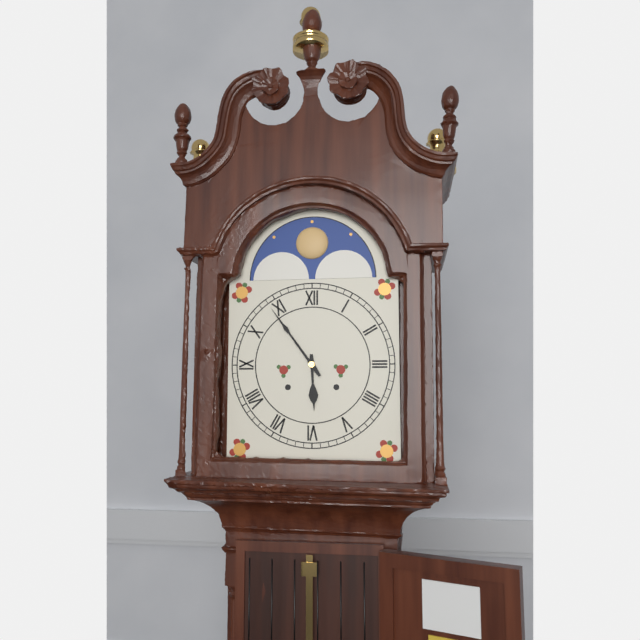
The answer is 5.54
